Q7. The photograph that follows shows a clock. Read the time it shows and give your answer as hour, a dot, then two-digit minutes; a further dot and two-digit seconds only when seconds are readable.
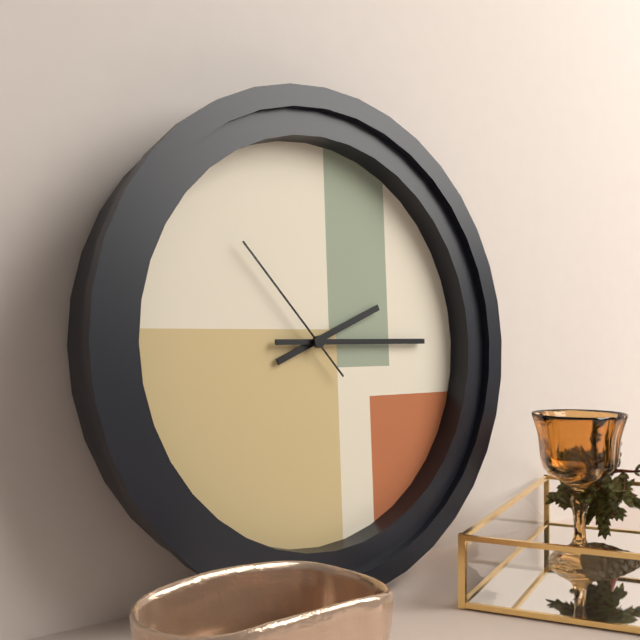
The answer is 2.15.53
